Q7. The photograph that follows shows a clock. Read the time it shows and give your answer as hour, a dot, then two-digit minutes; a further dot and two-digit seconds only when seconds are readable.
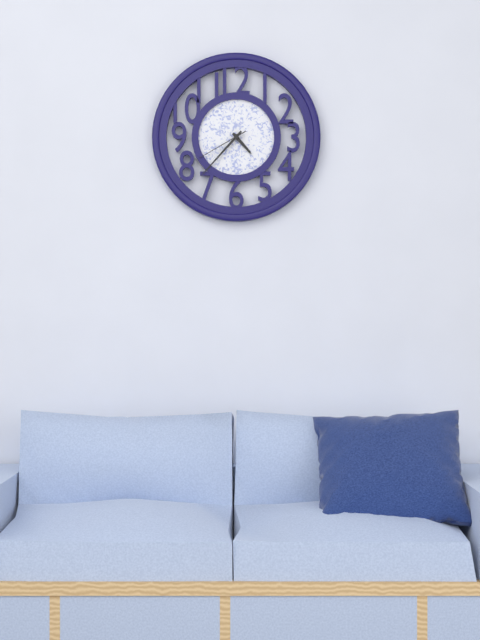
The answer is 4.37.40
